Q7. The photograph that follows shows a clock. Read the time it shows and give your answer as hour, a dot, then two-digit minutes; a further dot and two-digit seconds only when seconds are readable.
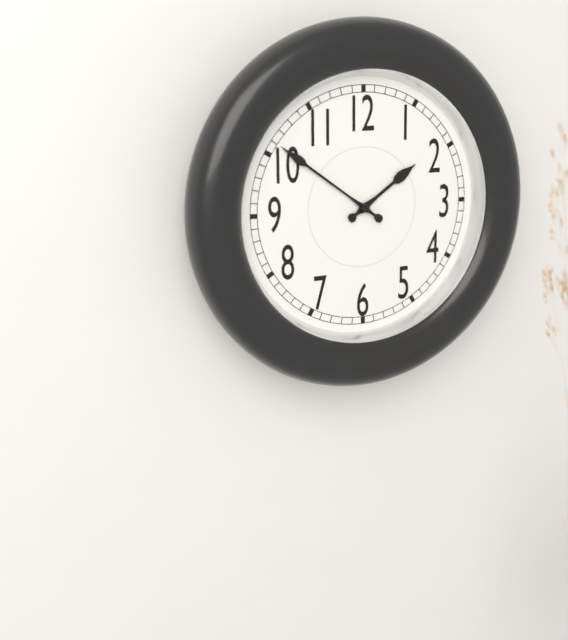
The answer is 1.51
